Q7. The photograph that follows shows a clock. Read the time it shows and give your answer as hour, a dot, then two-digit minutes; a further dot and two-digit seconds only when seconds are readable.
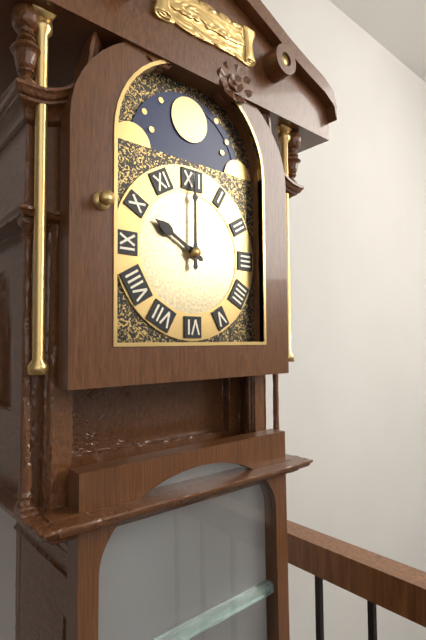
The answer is 10.00
